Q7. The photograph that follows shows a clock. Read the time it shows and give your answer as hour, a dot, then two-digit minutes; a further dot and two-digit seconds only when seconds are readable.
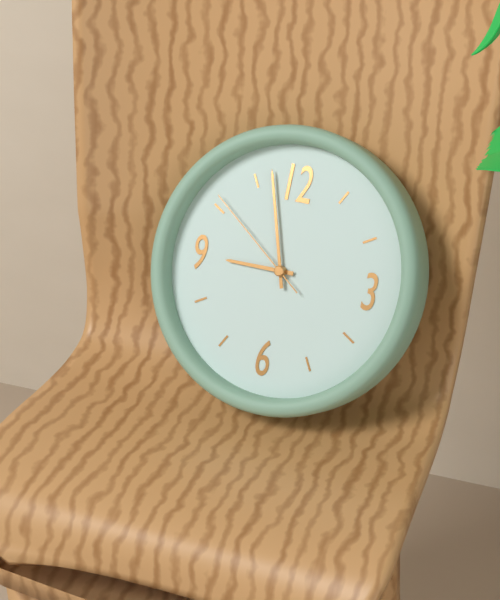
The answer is 8.57.51
